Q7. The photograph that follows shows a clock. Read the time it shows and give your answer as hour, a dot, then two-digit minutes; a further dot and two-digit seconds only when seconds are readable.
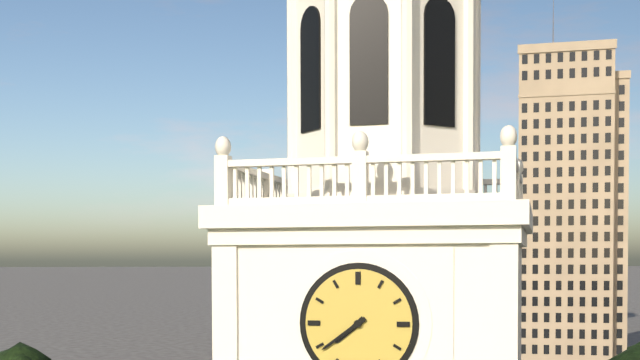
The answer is 7.39
